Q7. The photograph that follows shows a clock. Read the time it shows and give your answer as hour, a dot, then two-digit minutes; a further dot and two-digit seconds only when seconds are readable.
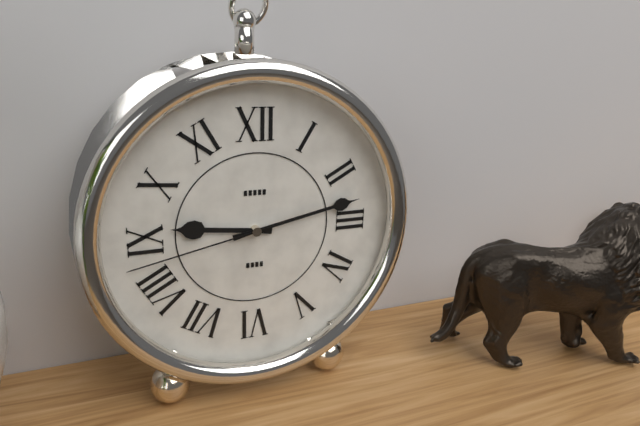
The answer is 9.13.43
